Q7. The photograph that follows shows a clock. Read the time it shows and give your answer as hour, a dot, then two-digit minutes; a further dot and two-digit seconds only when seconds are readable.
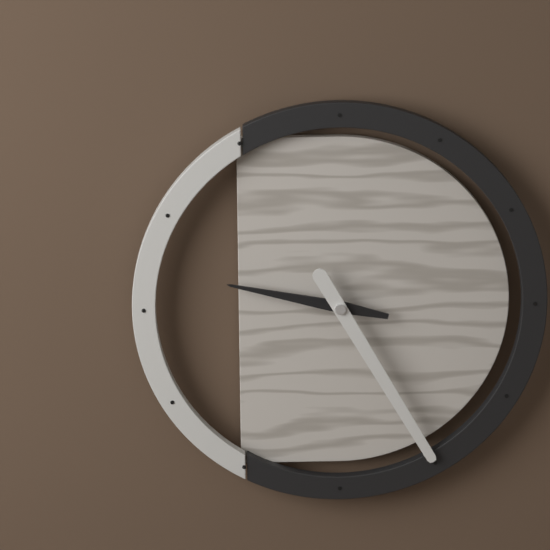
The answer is 9.25
